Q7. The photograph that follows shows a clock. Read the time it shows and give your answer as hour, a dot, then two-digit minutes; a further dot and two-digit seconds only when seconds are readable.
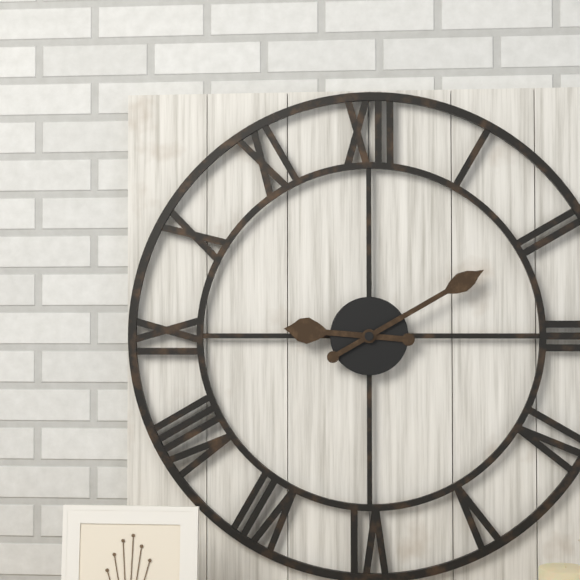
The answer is 9.10
